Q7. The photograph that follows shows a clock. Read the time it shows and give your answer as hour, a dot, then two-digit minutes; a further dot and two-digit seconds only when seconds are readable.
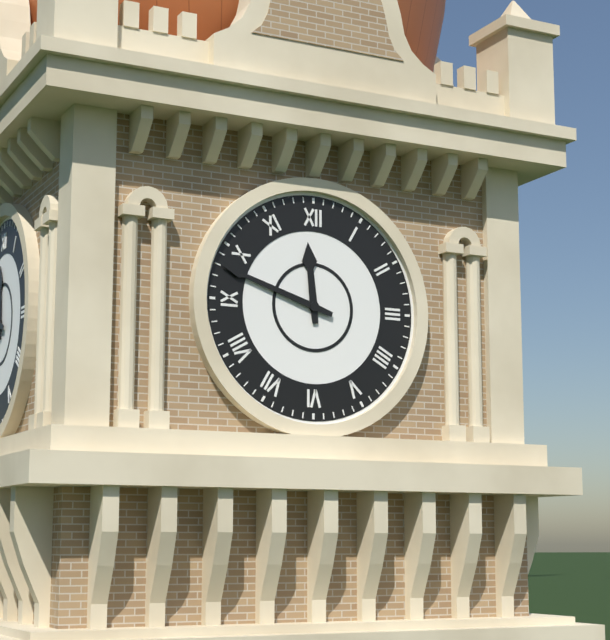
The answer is 11.48
